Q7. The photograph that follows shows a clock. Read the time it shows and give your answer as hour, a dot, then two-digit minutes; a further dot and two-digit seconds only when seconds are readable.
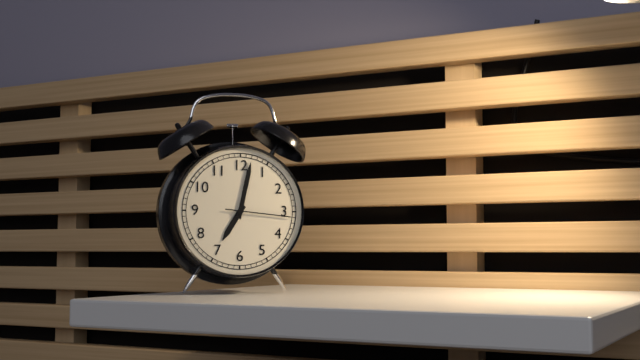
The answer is 7.02.16
